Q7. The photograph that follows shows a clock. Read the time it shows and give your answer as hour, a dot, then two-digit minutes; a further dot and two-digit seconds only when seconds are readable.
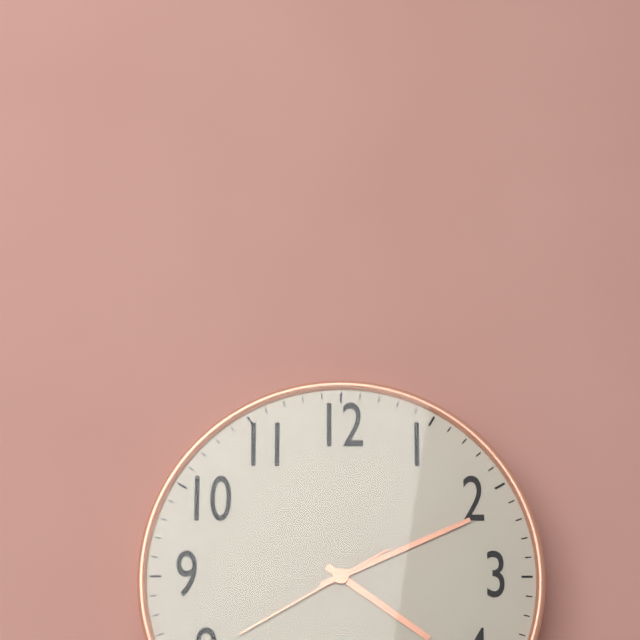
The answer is 4.11.40
